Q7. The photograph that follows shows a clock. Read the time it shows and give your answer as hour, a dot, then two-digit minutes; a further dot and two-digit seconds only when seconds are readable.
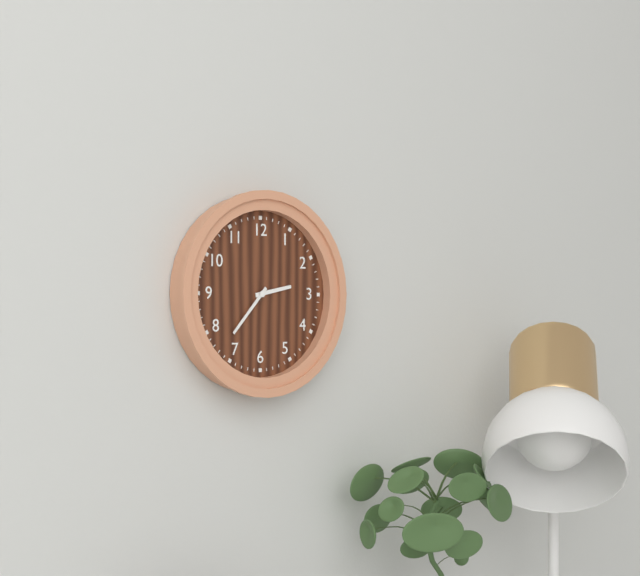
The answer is 2.37
